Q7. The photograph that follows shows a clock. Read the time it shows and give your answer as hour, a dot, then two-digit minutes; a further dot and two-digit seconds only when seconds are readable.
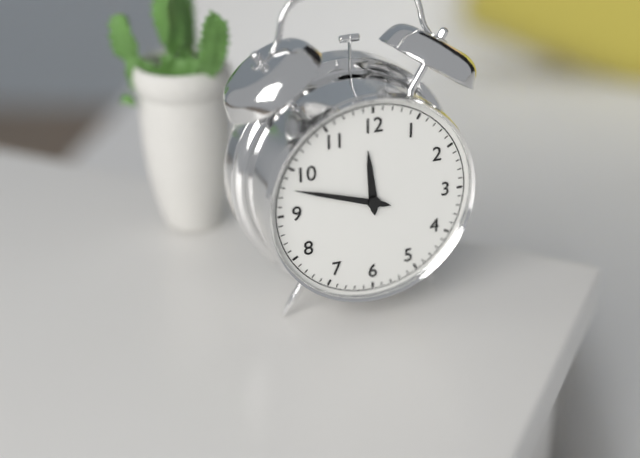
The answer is 11.48
